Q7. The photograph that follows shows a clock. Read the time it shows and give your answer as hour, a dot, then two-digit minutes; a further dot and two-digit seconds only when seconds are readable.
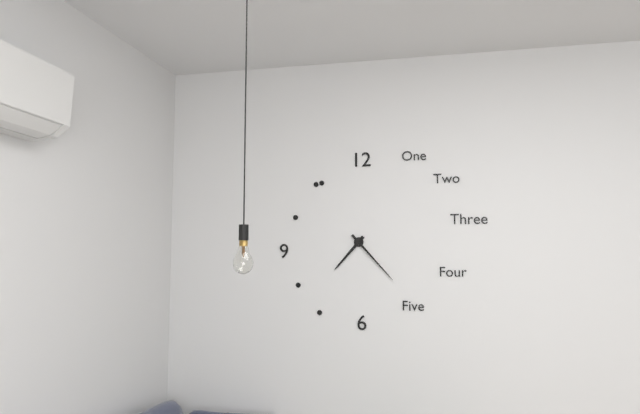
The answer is 7.23
